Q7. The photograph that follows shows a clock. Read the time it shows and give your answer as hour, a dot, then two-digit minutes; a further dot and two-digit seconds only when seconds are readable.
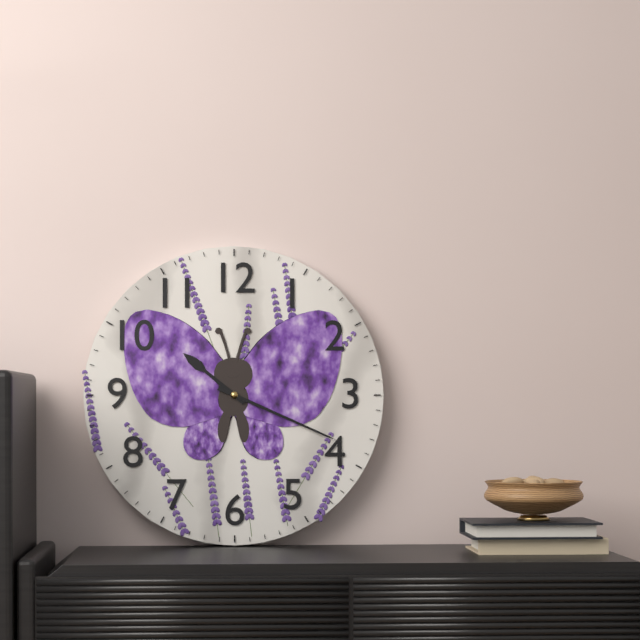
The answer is 10.19
